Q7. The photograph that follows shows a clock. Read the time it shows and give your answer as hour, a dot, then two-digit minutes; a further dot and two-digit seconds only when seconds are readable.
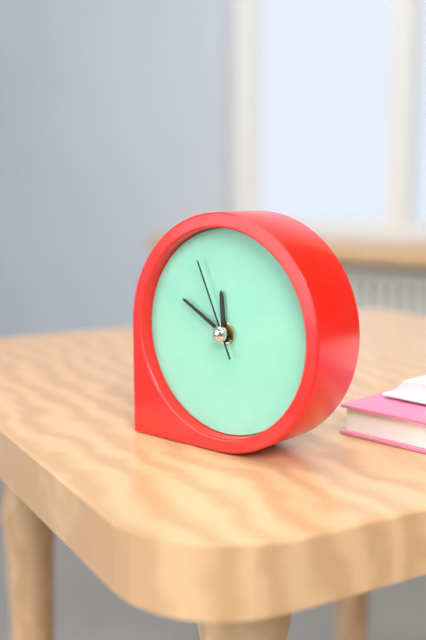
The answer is 11.50.56
